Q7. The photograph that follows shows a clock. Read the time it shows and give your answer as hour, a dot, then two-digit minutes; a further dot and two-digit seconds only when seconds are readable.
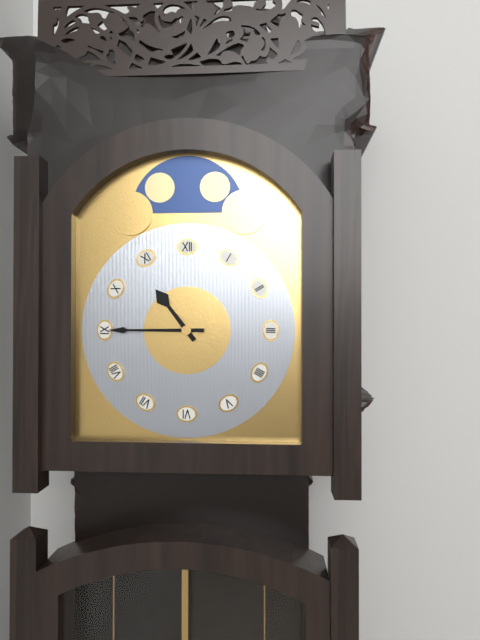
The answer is 10.45
